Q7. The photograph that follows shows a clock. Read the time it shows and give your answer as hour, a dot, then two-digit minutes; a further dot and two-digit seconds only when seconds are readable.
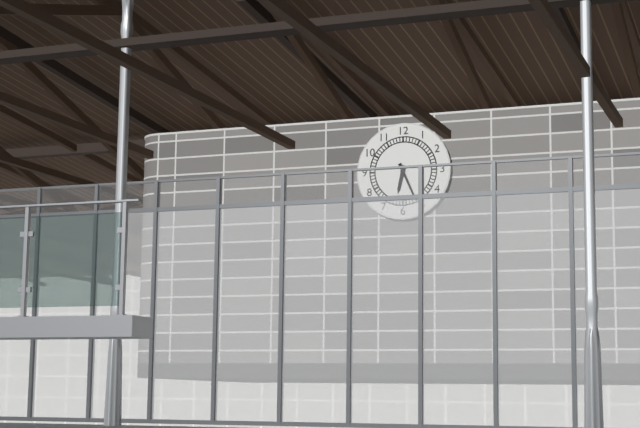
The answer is 6.26
